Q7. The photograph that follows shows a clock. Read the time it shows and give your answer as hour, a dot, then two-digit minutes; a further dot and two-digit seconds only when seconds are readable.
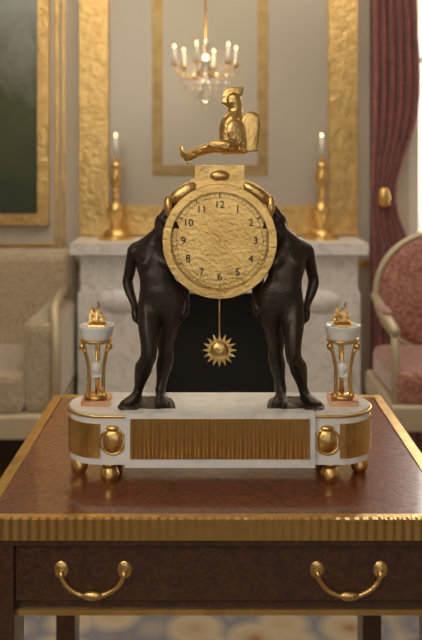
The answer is 10.23
